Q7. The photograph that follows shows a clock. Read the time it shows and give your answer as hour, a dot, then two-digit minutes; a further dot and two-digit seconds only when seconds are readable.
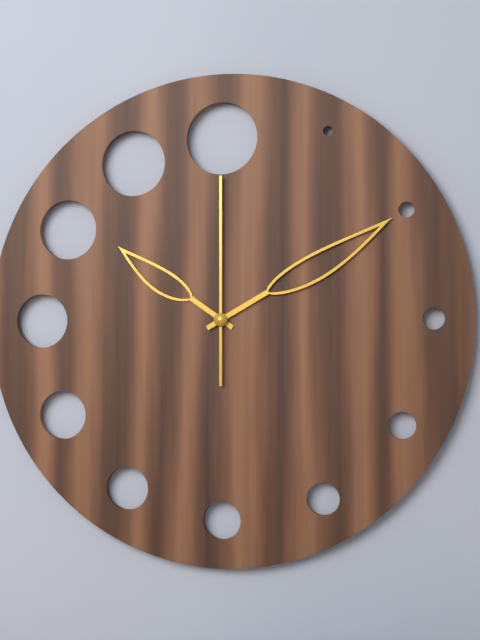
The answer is 10.10.00
